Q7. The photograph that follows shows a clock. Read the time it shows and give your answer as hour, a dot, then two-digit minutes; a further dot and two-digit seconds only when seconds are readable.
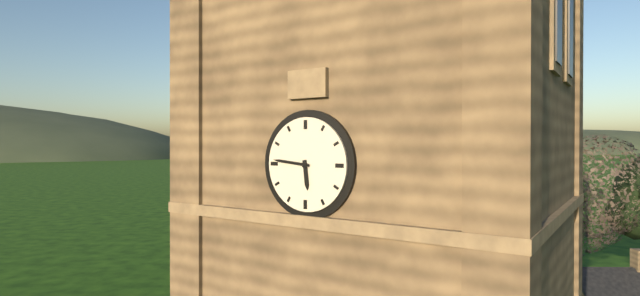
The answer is 5.46
